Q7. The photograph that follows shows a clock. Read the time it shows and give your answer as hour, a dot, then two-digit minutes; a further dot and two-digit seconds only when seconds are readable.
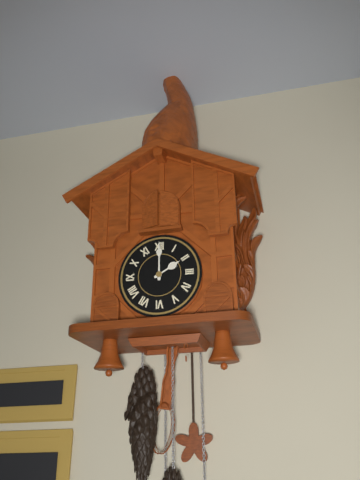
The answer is 2.00
